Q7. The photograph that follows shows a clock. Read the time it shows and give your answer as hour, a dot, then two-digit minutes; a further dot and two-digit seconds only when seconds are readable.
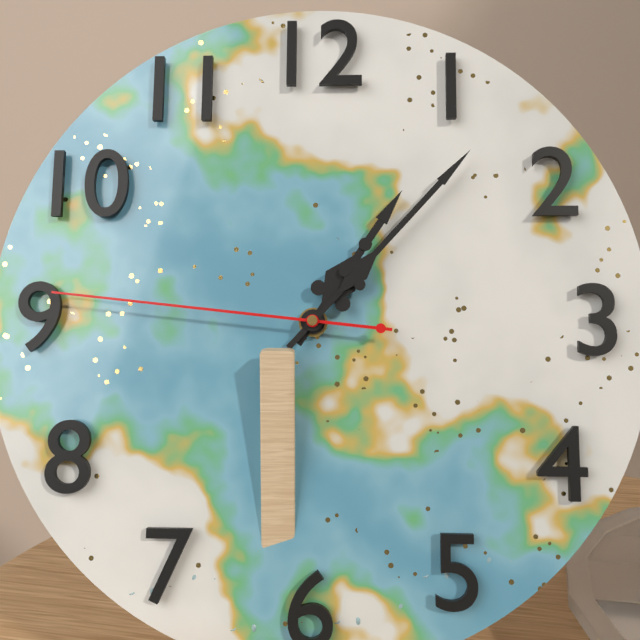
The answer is 1.07.46
